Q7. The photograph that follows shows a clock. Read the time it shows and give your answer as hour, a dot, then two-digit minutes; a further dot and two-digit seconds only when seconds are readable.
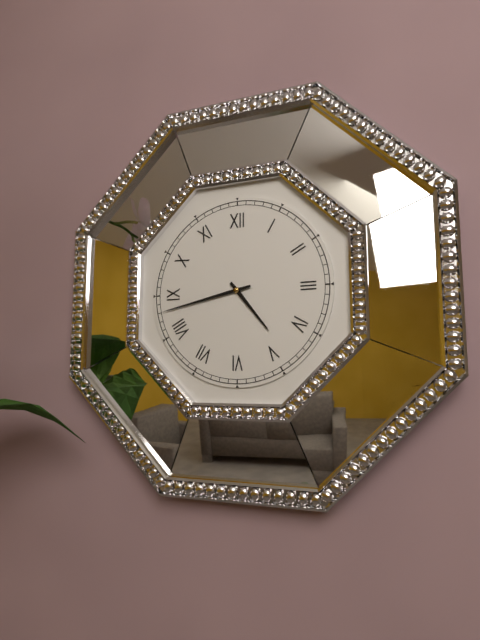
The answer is 4.43
